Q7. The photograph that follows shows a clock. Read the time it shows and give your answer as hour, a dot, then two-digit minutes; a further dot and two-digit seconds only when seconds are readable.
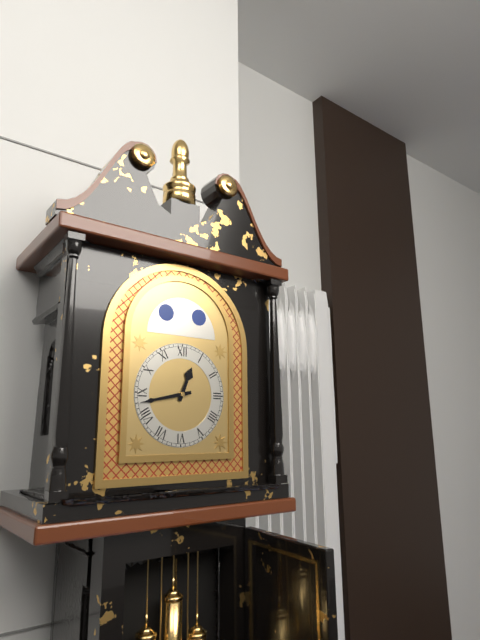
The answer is 12.43
